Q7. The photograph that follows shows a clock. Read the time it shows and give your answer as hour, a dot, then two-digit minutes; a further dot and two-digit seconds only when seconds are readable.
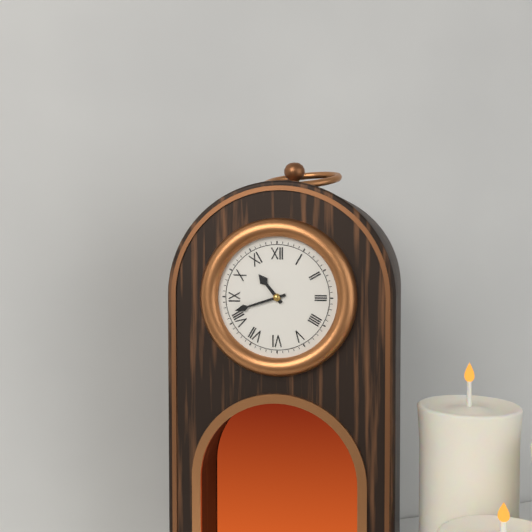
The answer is 10.42
